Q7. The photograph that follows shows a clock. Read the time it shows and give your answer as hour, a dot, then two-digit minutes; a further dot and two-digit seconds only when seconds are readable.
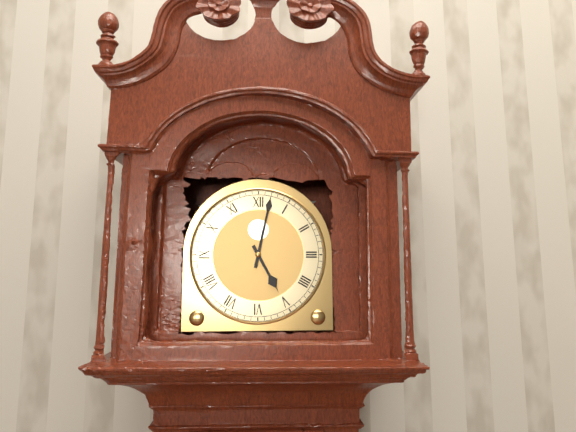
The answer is 5.02
